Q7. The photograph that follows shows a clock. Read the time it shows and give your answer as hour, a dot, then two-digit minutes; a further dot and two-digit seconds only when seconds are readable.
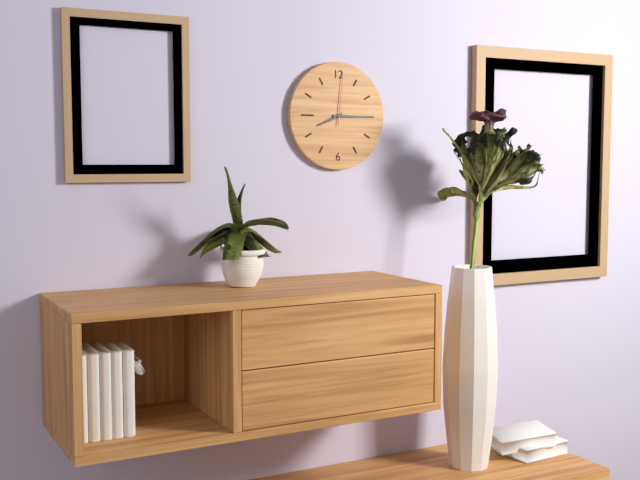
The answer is 8.15.01
